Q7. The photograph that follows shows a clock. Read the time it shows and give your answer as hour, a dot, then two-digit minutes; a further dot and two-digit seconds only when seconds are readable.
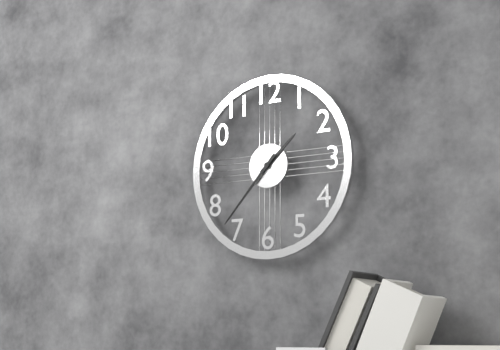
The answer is 1.37
